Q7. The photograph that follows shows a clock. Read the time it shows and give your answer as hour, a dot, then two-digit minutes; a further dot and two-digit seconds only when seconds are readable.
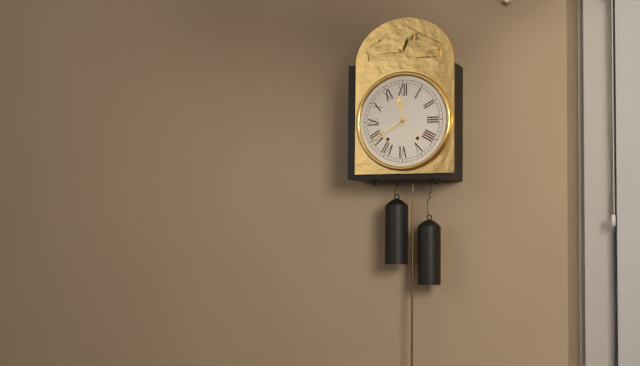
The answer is 11.40
